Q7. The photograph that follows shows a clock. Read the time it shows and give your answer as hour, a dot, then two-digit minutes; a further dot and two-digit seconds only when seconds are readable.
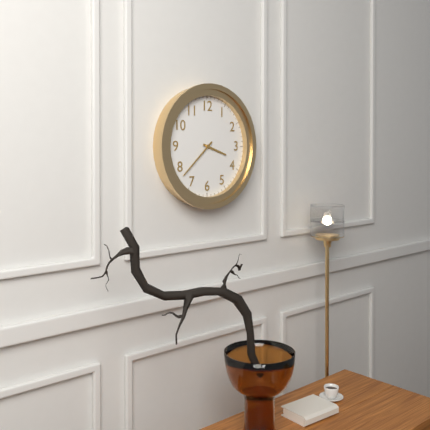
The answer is 3.38
